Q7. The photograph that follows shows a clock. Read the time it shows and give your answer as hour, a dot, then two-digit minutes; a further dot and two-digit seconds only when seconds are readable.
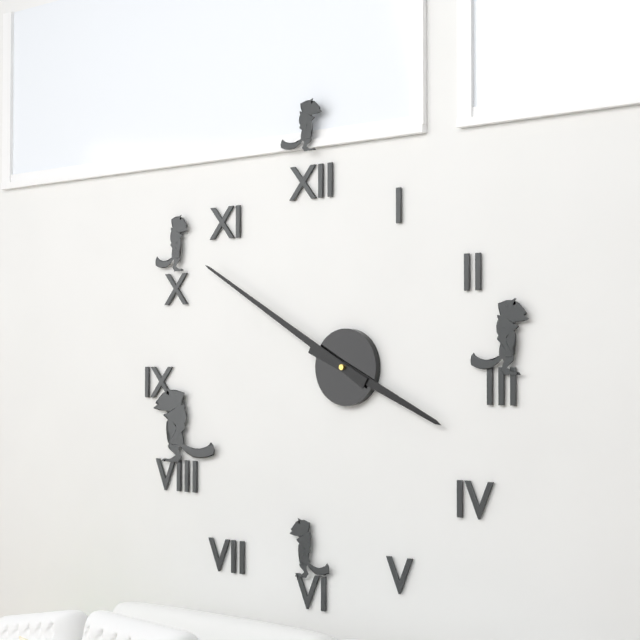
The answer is 3.50
